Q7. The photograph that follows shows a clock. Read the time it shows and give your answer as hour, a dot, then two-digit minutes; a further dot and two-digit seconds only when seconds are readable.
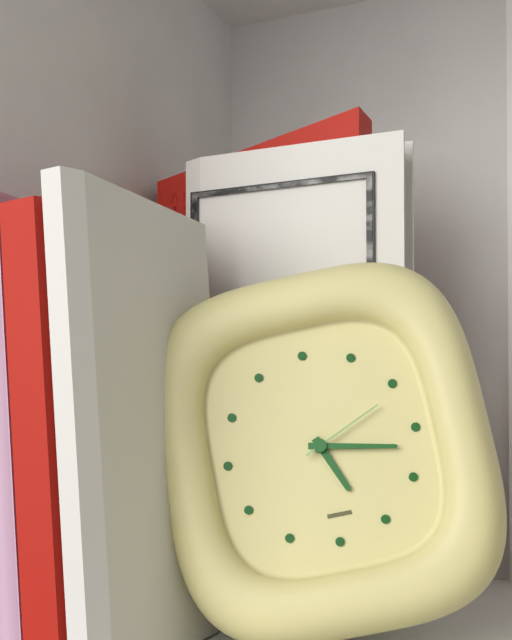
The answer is 5.17.11
